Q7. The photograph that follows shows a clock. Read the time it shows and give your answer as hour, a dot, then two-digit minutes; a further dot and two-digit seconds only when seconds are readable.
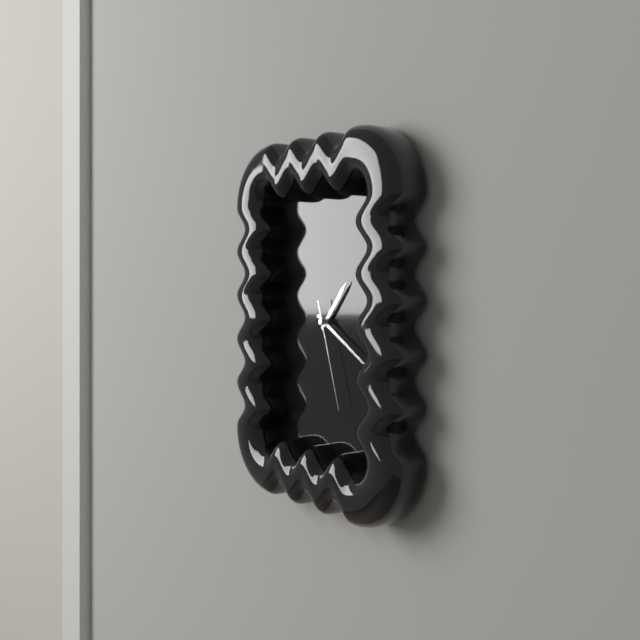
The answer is 1.20.27
